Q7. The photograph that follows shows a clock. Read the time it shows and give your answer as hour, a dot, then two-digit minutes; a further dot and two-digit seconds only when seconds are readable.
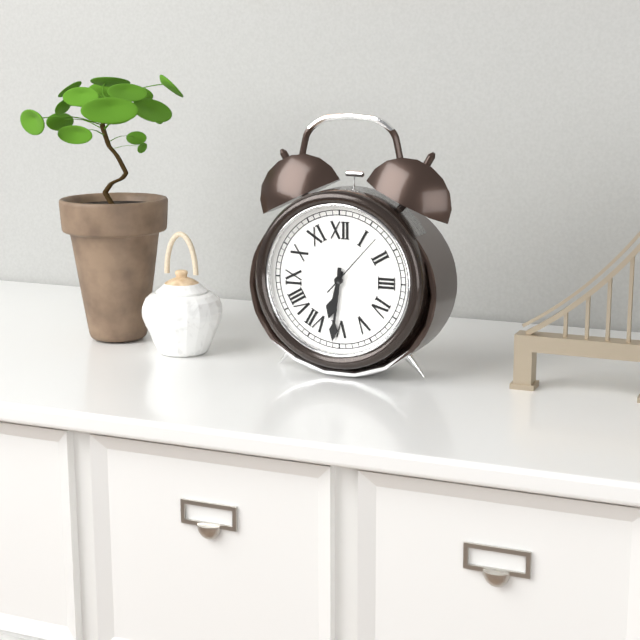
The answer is 6.31.07
